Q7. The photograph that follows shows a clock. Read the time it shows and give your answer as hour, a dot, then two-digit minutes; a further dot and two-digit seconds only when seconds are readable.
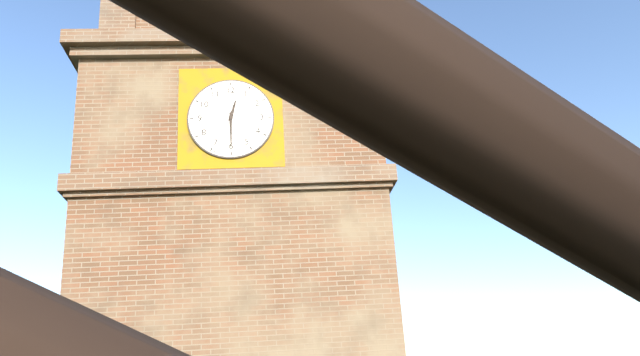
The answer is 12.30
